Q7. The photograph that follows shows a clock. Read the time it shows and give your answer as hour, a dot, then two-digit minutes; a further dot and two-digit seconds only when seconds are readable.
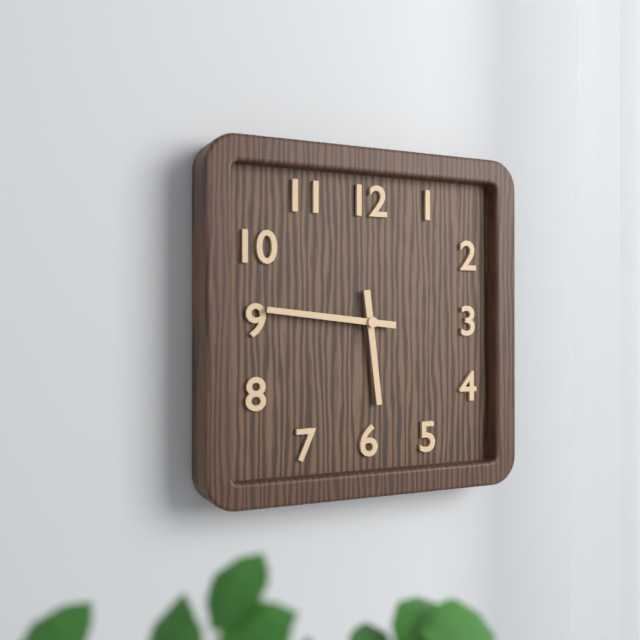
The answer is 5.46
